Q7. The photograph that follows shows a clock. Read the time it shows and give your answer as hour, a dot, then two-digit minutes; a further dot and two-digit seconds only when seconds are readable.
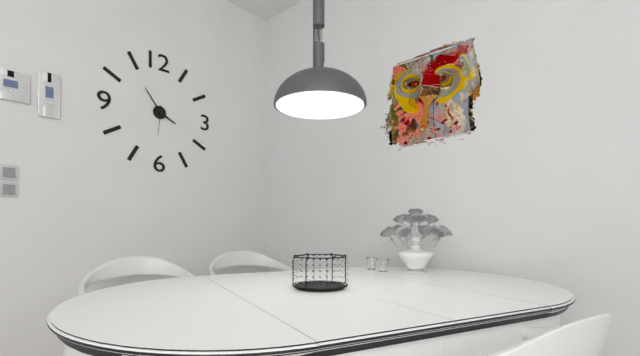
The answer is 3.54
